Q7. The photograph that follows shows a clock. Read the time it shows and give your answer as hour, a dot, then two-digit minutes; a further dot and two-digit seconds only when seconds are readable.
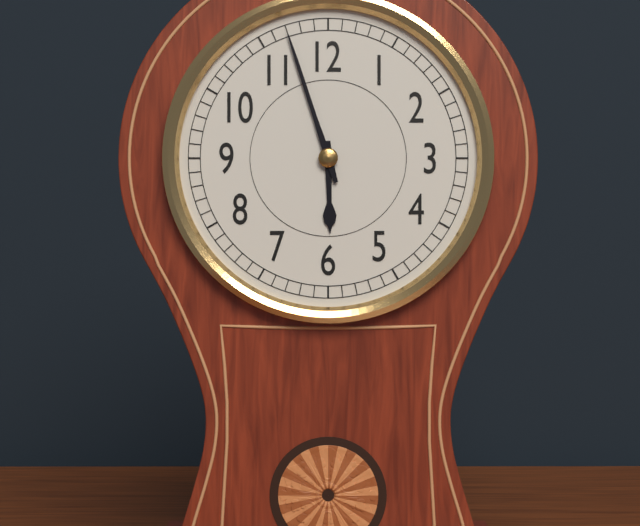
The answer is 5.57
